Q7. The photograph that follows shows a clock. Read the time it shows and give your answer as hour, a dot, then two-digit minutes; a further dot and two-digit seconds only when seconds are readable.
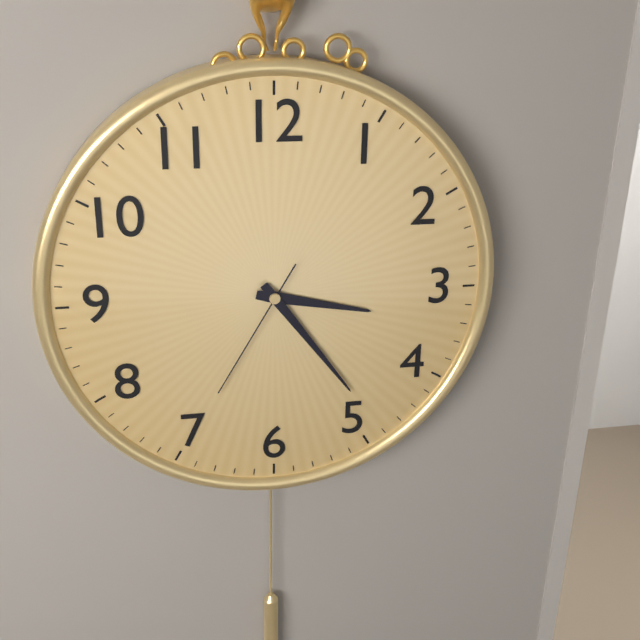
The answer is 3.24.35
